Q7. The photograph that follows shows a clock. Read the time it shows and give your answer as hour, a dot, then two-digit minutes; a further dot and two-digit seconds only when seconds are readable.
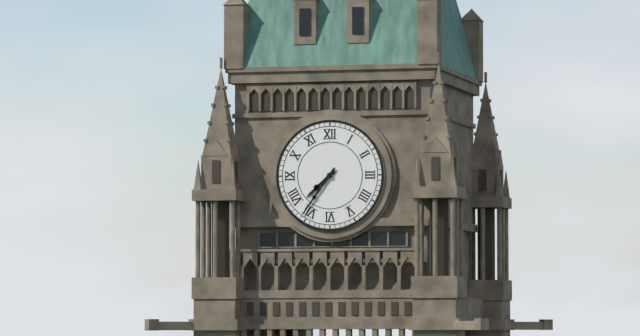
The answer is 7.36
